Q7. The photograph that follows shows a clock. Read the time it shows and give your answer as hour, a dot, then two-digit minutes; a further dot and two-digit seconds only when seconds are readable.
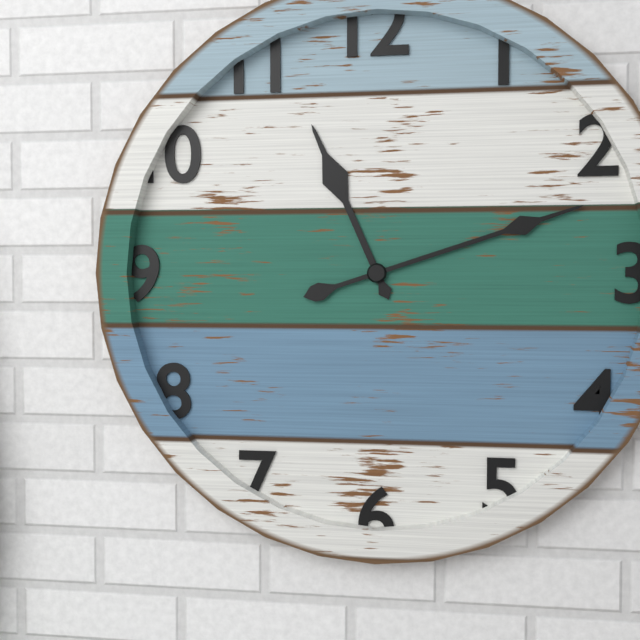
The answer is 11.12
